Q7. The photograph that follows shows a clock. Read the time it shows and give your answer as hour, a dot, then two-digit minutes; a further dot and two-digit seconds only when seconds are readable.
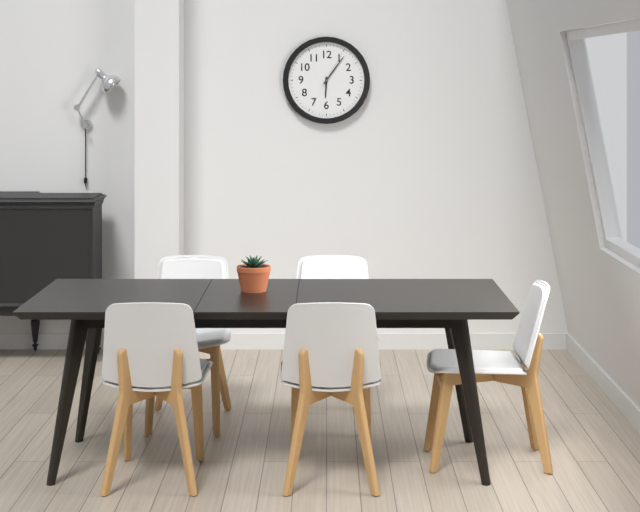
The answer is 6.06
